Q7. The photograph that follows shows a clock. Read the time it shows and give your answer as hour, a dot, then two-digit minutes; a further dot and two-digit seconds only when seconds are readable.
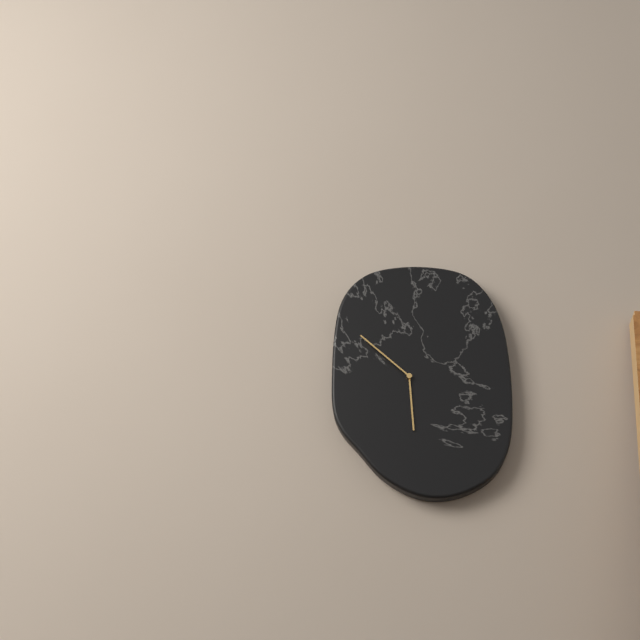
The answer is 5.52
